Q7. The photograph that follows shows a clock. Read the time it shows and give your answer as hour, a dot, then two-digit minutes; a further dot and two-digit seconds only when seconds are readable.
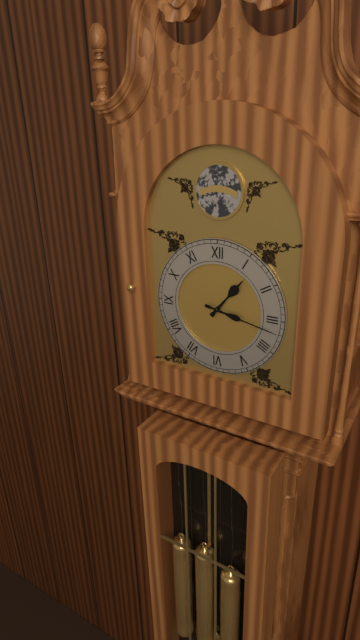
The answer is 1.17
